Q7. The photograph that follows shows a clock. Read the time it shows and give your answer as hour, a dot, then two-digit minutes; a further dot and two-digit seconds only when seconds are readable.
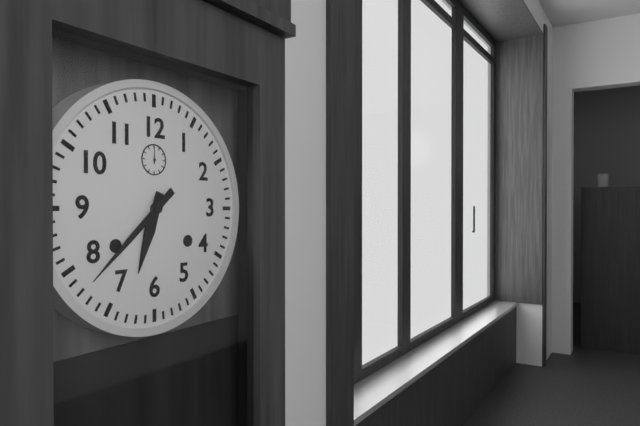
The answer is 6.38
